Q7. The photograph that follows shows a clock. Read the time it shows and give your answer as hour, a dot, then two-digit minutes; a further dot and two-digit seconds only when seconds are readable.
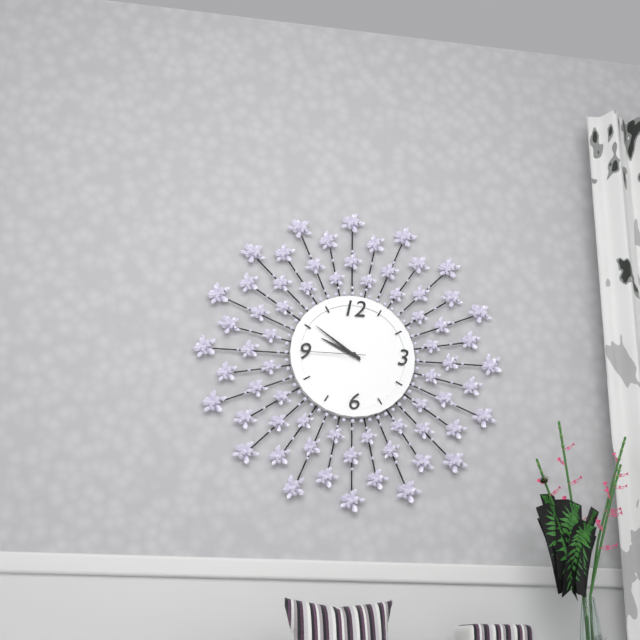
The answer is 9.51.45
